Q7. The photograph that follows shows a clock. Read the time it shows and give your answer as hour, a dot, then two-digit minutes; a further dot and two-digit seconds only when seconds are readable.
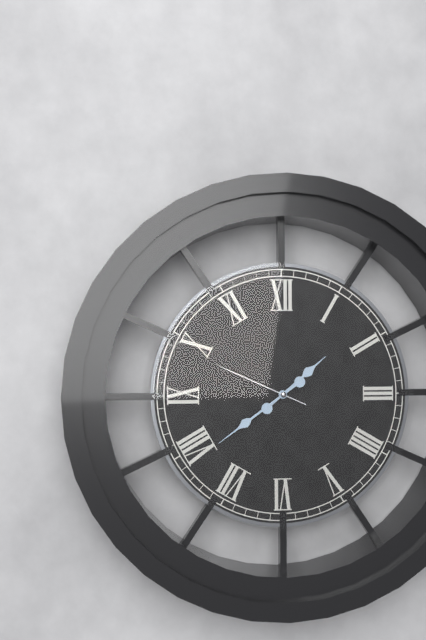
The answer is 1.39.49
